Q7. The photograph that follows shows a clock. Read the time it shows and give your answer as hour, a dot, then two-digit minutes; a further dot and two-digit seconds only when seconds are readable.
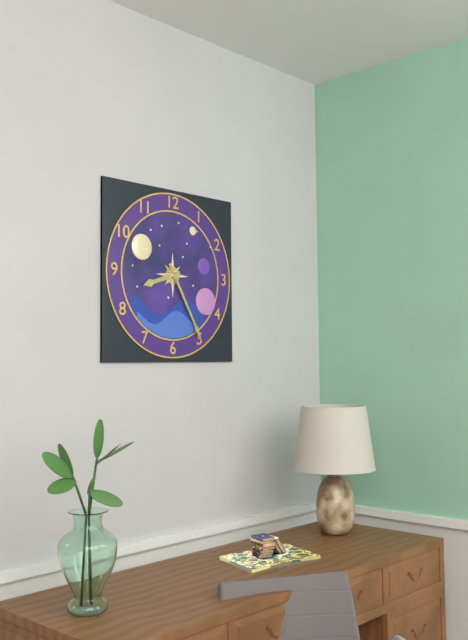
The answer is 8.25
